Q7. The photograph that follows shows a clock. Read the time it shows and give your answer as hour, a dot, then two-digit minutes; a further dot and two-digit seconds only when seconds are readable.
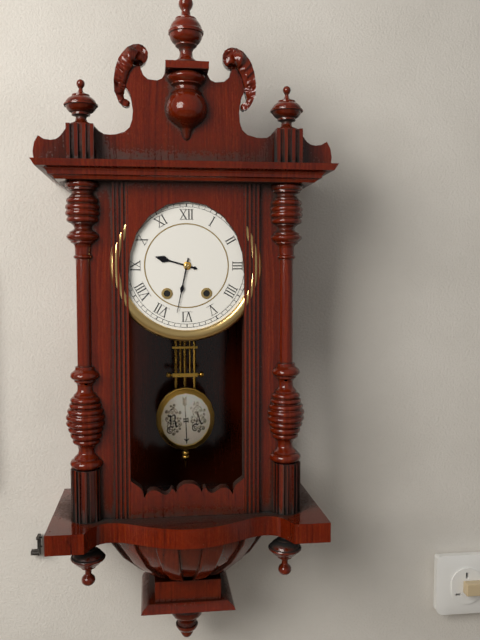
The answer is 9.32
